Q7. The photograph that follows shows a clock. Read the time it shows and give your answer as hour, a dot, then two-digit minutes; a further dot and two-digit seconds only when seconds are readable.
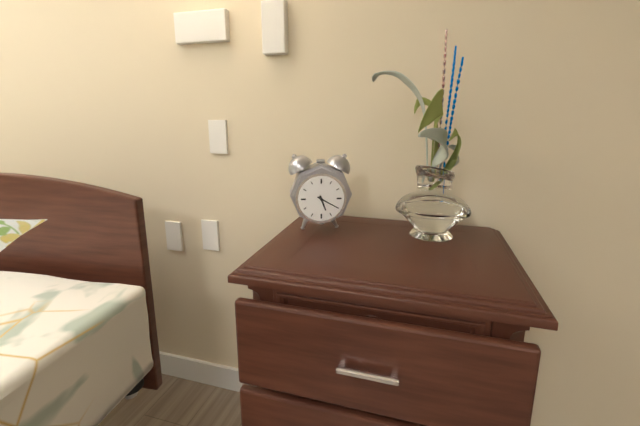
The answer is 5.20
